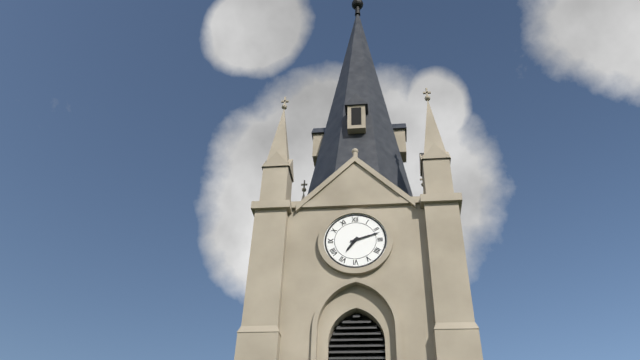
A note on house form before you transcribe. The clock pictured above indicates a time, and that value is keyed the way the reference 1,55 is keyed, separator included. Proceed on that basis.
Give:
7,12
